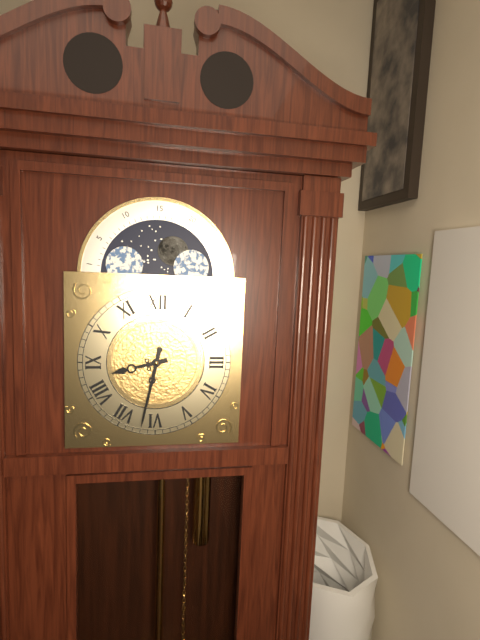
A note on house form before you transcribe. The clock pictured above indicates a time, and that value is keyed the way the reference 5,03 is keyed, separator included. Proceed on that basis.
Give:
8,32
